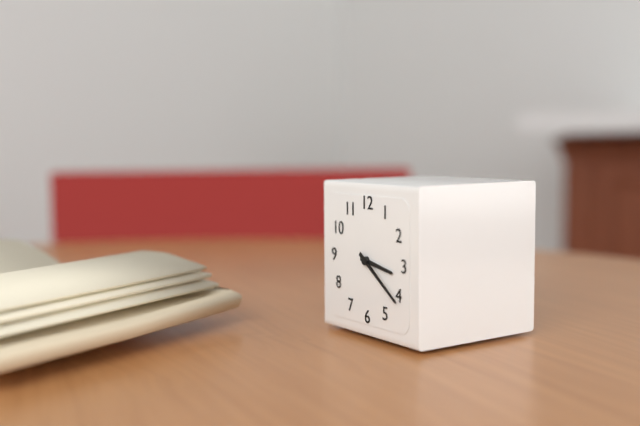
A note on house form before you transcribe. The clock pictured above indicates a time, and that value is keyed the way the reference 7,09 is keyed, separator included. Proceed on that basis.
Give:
3,21
